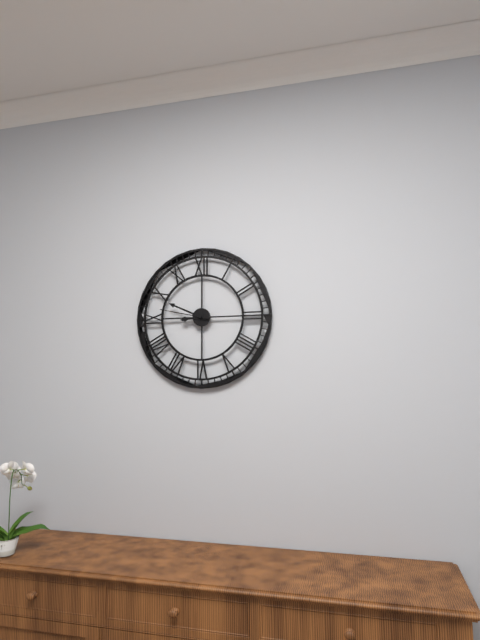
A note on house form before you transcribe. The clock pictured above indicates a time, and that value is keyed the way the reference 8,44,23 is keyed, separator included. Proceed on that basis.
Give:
8,49,47
